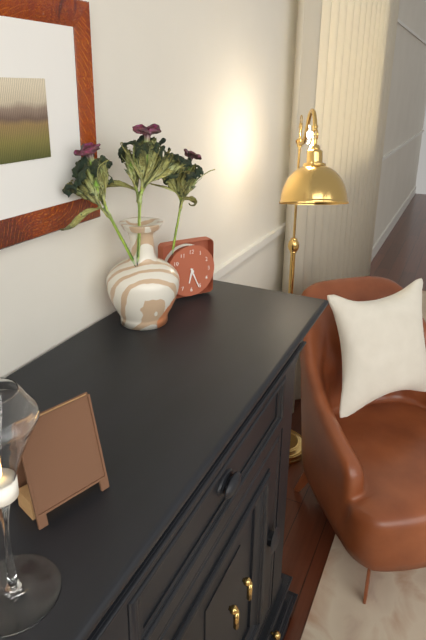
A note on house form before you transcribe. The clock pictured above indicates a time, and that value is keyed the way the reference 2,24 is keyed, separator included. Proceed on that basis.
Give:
6,26
